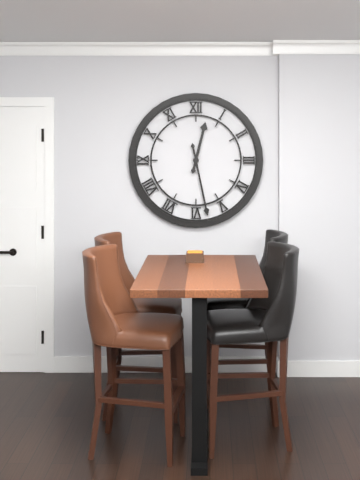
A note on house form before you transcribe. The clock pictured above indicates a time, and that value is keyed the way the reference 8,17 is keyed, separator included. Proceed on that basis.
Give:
12,28
